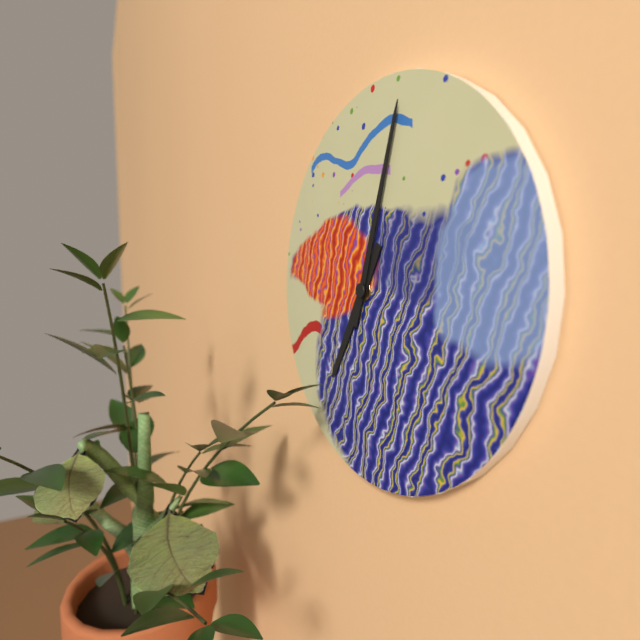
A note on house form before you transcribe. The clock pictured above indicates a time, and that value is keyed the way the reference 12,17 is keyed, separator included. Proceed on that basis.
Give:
7,03
